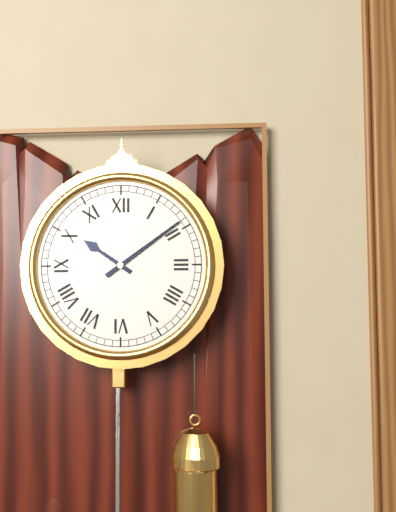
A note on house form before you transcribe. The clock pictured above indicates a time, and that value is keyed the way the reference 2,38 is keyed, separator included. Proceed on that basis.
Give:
10,09
